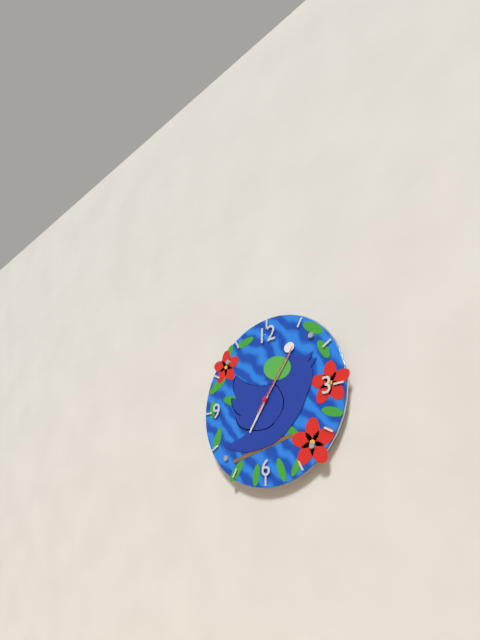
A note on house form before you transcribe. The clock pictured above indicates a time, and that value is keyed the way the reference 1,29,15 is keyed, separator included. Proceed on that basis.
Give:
7,06,06
